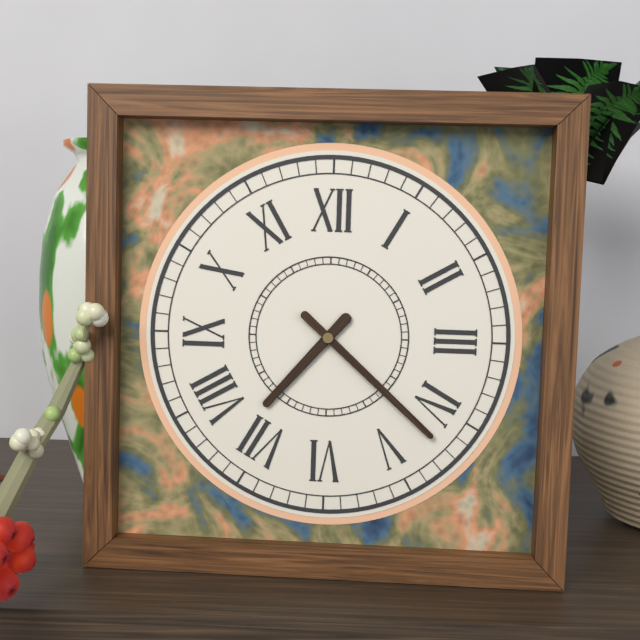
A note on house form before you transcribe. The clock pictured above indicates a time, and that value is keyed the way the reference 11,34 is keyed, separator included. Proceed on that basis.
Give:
7,22
